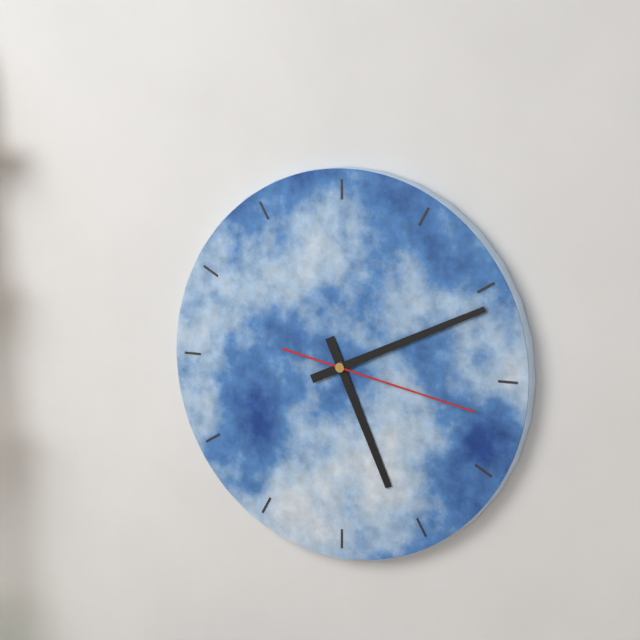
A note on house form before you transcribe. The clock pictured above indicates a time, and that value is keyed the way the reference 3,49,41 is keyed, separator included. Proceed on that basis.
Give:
5,11,17
